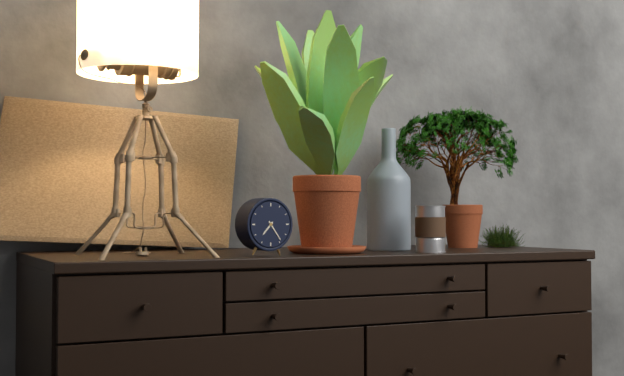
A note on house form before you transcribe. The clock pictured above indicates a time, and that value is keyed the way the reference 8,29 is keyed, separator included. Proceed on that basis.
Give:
7,24
